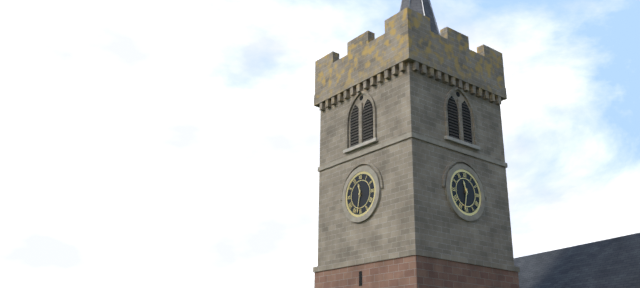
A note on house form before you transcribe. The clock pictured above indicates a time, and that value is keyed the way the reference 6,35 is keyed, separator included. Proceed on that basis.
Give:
11,32
